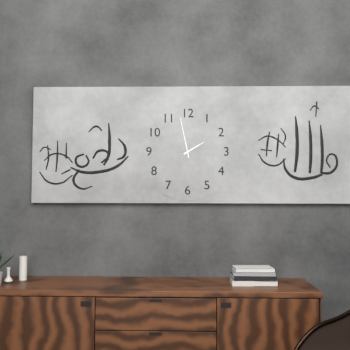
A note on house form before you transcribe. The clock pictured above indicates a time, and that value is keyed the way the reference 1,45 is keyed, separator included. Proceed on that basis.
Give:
1,58
